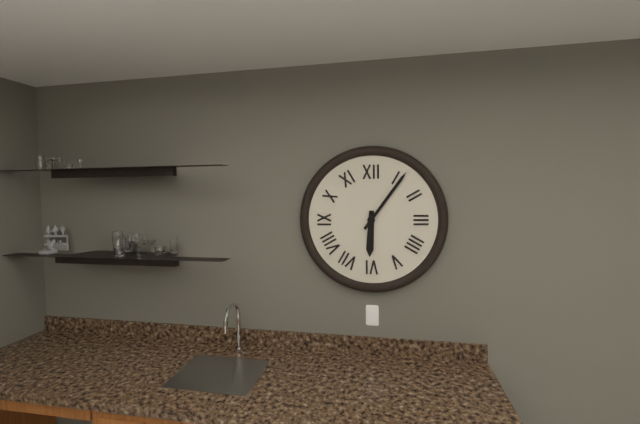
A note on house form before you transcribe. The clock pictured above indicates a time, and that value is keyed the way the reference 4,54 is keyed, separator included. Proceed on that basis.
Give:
6,06
